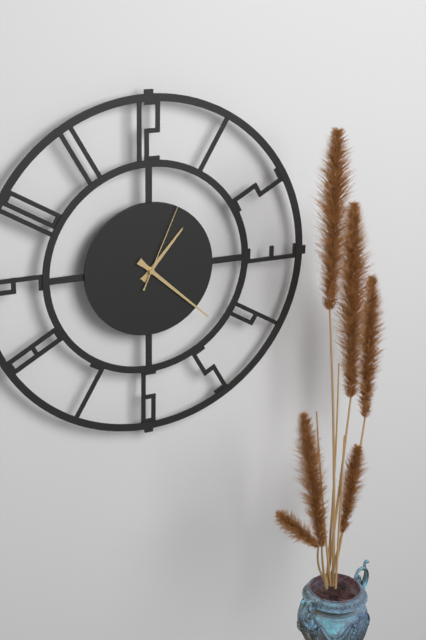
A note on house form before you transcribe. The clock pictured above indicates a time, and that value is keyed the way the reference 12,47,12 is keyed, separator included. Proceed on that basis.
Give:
1,22,04
